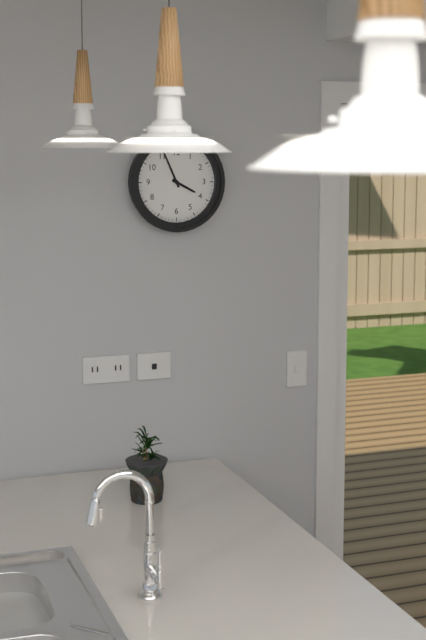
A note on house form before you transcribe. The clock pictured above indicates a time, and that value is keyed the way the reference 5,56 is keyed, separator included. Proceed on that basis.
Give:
3,56
